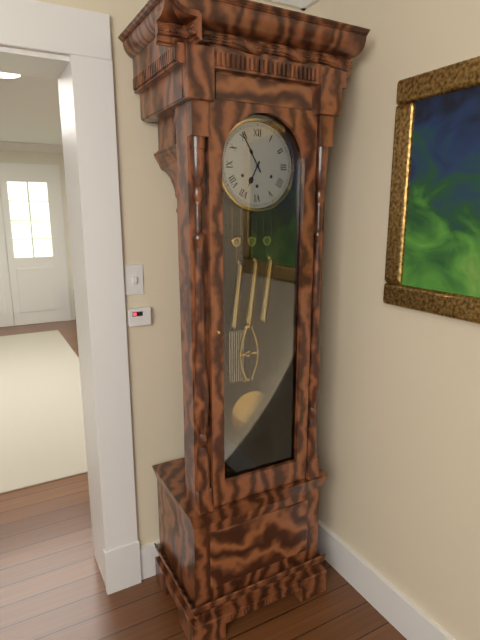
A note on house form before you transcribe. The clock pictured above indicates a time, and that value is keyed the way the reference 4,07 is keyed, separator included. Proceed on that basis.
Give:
6,55
